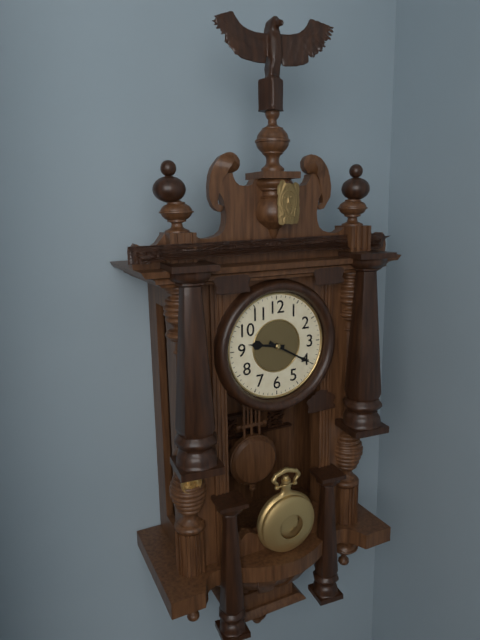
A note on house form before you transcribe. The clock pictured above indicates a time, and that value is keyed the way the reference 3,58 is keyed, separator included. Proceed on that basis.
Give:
9,20
